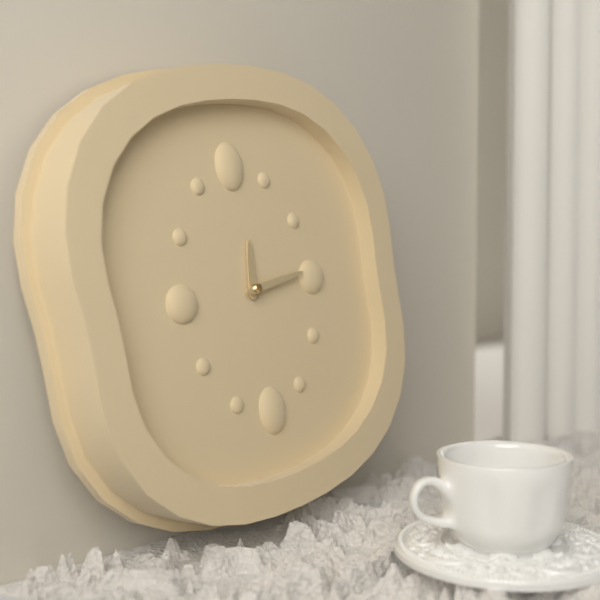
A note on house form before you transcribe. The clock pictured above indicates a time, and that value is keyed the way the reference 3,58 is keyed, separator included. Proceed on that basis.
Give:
12,14
